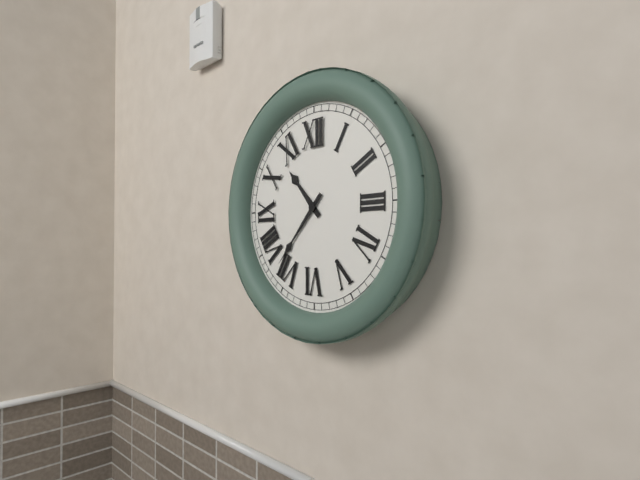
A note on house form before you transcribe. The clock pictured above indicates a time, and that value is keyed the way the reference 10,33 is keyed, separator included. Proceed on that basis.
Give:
10,37
